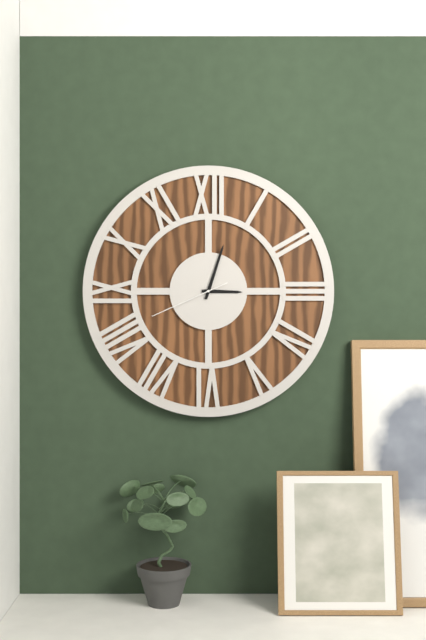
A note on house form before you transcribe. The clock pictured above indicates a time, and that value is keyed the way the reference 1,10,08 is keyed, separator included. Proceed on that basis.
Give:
3,03,41
